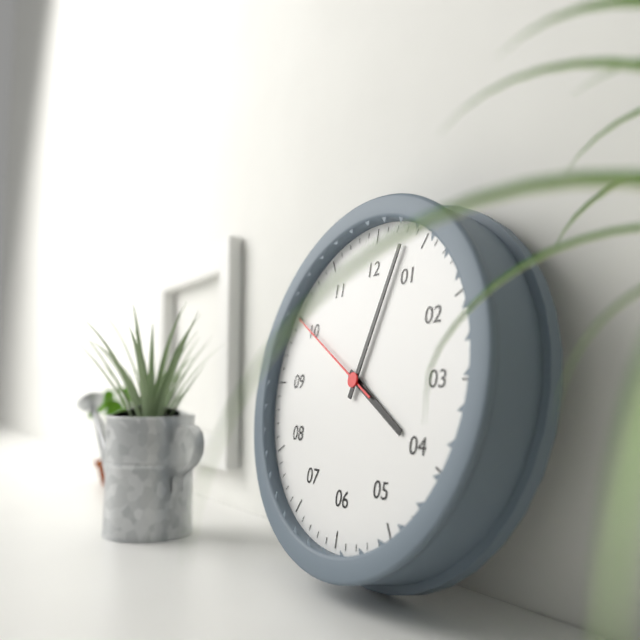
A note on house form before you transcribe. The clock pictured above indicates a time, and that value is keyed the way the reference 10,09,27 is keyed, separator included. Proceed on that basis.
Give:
4,03,50
